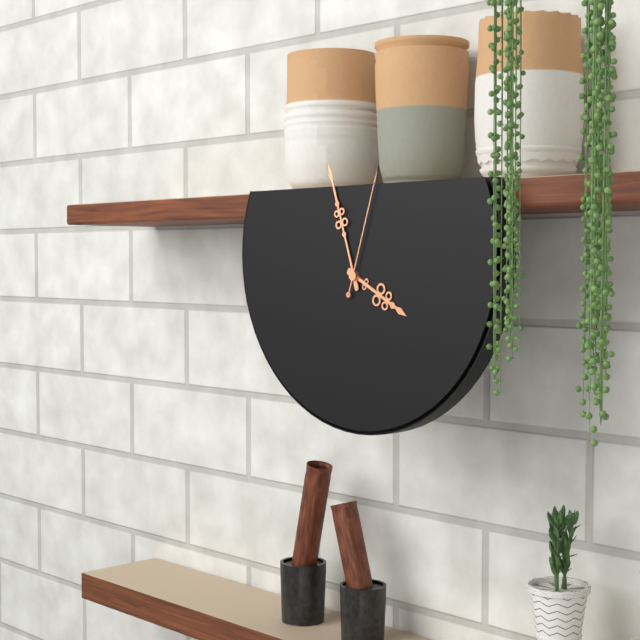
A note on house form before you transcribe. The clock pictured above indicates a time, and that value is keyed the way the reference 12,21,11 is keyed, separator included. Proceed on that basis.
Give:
3,57,03
